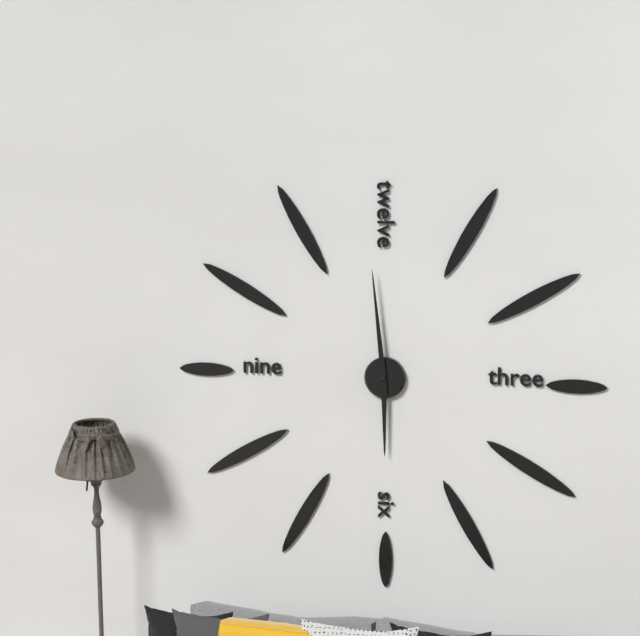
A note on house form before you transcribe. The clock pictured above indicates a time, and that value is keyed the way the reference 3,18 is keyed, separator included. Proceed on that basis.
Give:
5,59
